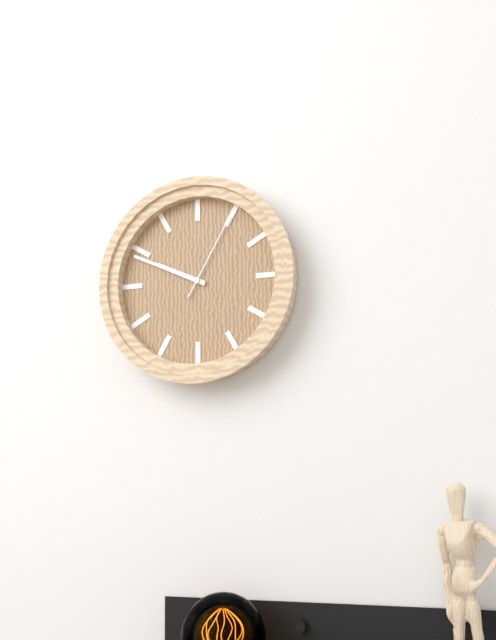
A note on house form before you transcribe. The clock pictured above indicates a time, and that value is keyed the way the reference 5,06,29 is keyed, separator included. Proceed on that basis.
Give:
9,49,05
